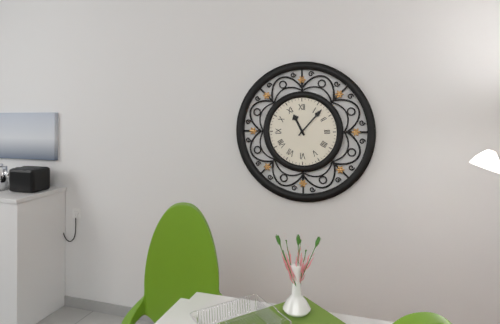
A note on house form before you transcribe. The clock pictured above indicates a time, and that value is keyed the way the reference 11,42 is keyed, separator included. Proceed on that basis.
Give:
11,07
